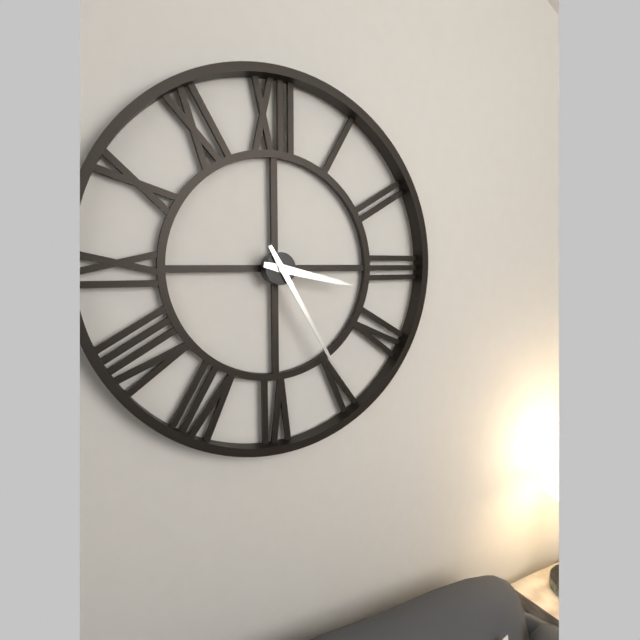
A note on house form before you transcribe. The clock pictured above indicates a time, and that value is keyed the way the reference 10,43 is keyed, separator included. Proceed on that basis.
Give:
3,25
